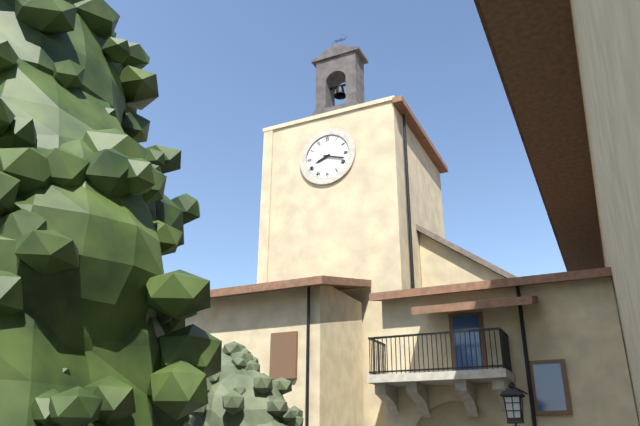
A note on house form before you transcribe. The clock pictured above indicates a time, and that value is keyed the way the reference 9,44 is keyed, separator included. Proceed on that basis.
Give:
8,18
